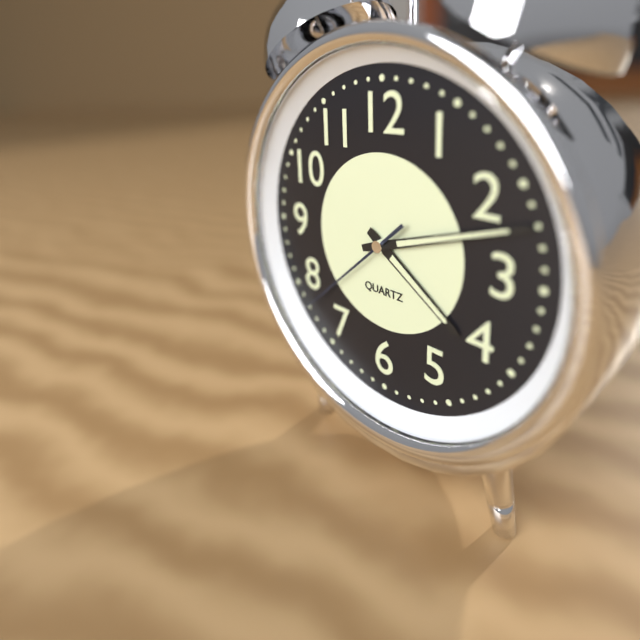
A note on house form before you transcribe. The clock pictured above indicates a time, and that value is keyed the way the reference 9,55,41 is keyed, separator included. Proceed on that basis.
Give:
4,12,38
